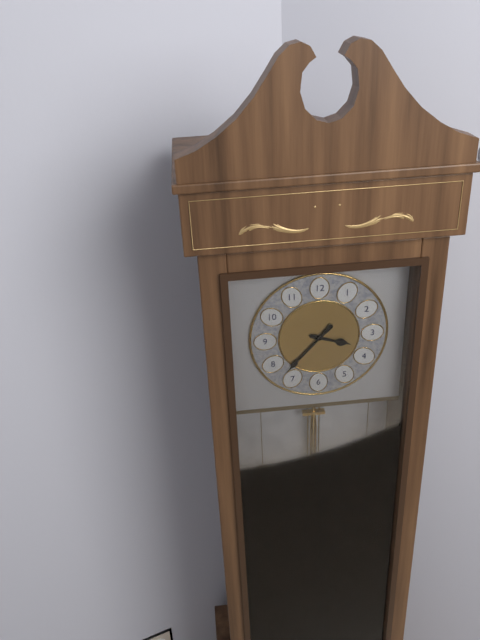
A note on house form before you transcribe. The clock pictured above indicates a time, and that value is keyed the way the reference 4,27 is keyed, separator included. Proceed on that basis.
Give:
3,37
